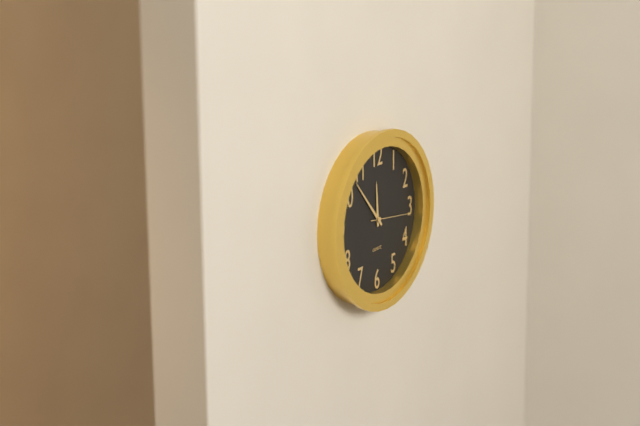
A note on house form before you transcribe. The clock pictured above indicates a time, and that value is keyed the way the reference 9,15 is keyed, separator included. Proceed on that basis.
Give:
11,53
